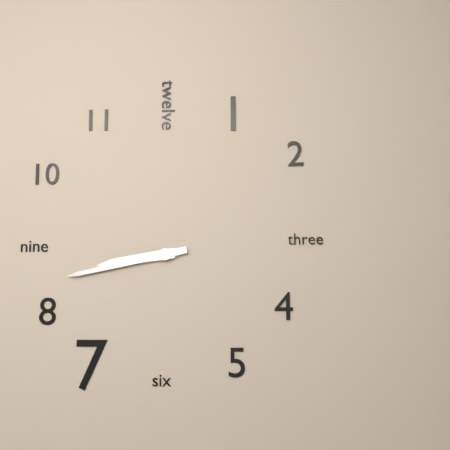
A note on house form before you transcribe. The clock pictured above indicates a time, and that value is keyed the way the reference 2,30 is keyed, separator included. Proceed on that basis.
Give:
8,43
